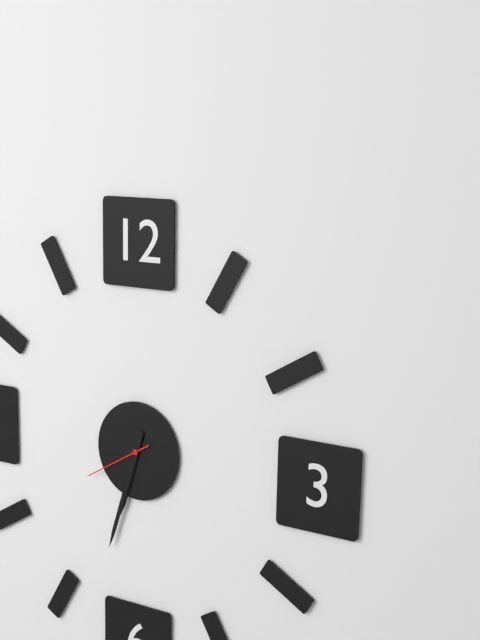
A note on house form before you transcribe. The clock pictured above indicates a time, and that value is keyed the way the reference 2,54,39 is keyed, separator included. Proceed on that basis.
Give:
6,33,40
